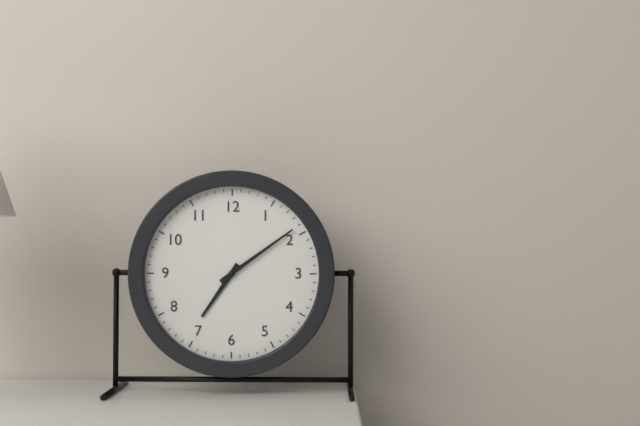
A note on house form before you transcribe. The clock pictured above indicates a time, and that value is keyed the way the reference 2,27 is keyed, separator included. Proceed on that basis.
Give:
7,09
